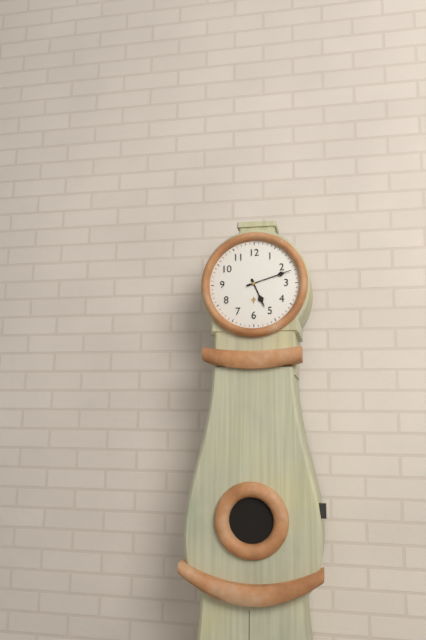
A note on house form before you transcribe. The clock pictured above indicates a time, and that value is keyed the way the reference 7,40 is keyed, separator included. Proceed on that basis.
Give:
5,12
